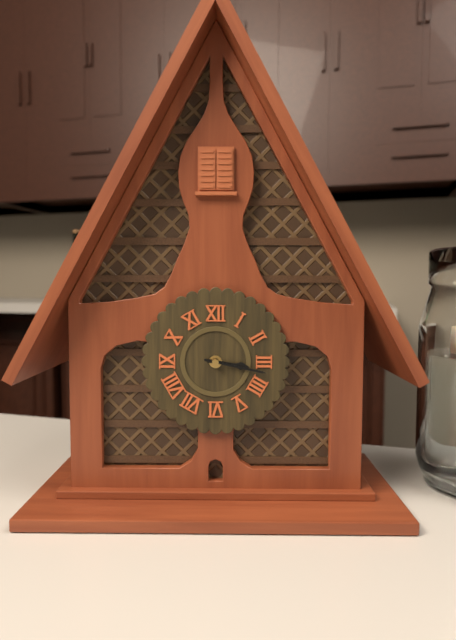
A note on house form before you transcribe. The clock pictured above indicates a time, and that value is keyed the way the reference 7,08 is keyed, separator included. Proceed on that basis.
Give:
3,17
